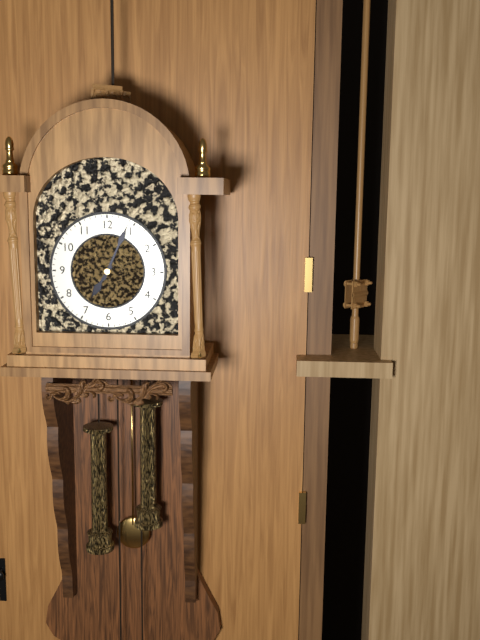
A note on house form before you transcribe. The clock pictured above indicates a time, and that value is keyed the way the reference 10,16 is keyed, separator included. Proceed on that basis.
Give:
7,04
